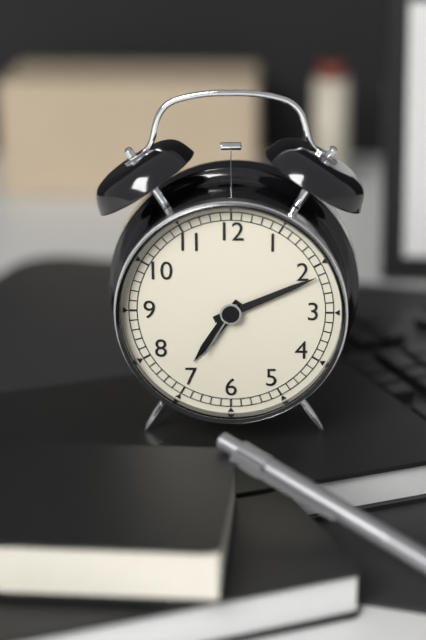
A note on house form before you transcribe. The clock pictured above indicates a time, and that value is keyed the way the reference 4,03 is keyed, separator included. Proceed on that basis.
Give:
7,11
